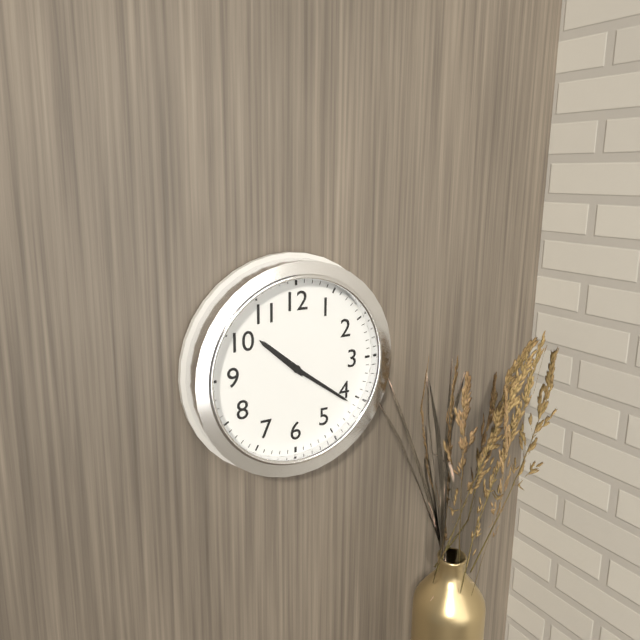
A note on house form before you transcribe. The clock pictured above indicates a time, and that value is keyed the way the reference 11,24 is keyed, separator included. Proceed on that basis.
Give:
10,21
